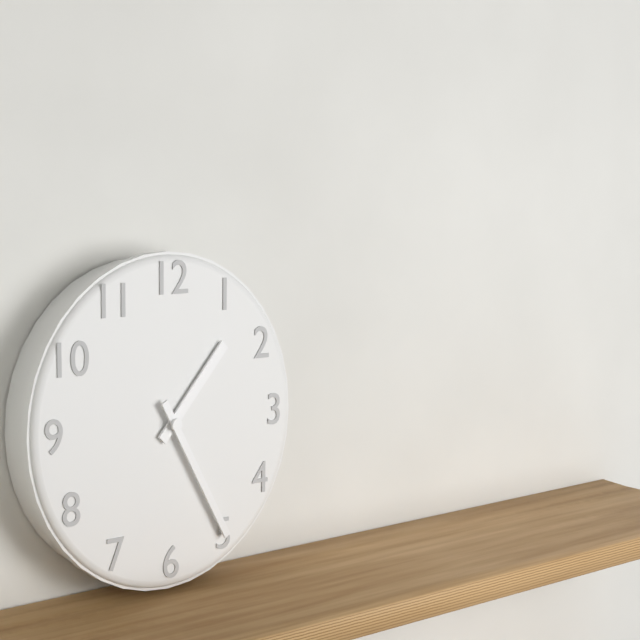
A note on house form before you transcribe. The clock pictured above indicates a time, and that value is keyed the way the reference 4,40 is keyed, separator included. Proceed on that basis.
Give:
1,25
